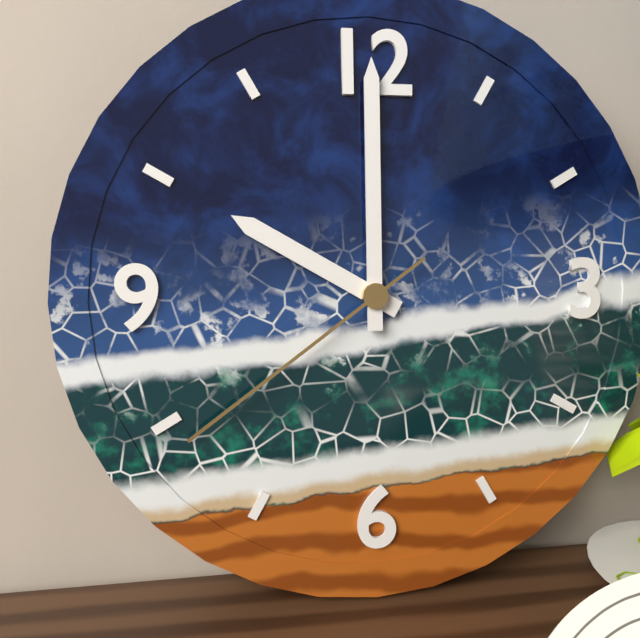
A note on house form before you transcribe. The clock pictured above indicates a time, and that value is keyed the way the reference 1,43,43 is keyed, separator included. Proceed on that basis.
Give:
10,00,39
